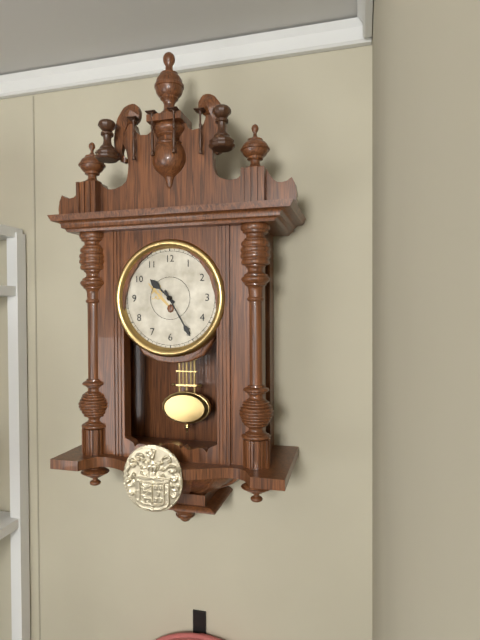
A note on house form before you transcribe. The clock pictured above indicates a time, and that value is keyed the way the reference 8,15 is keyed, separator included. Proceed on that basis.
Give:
10,25
